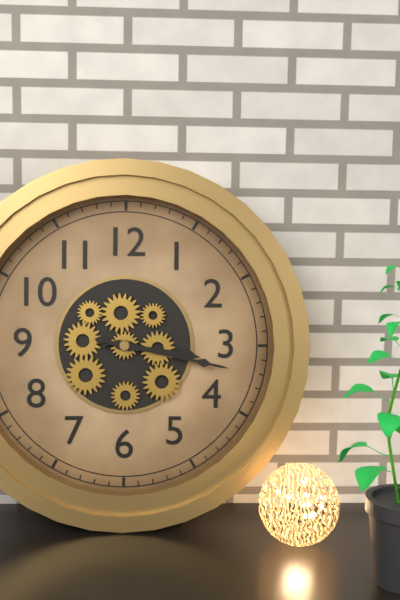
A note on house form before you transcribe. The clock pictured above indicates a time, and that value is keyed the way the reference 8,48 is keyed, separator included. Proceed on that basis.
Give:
3,17
